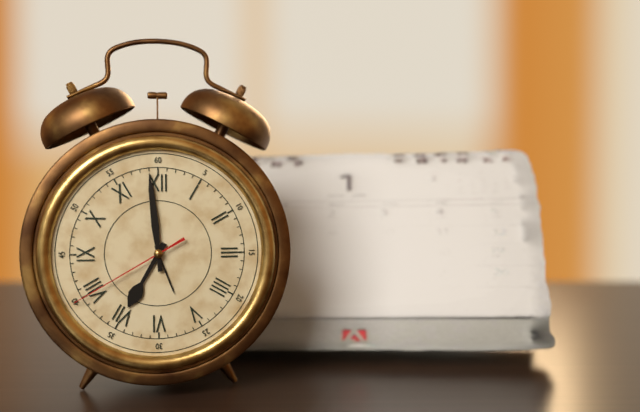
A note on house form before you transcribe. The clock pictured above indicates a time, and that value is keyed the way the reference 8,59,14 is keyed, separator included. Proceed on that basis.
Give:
6,59,40
